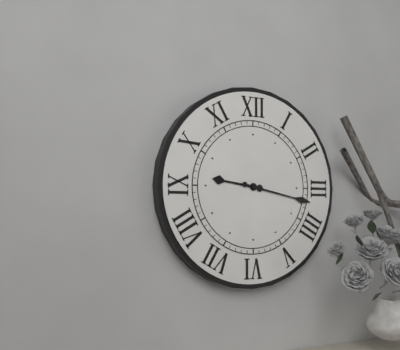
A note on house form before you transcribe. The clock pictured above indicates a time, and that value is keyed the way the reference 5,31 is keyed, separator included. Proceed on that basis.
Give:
9,17
